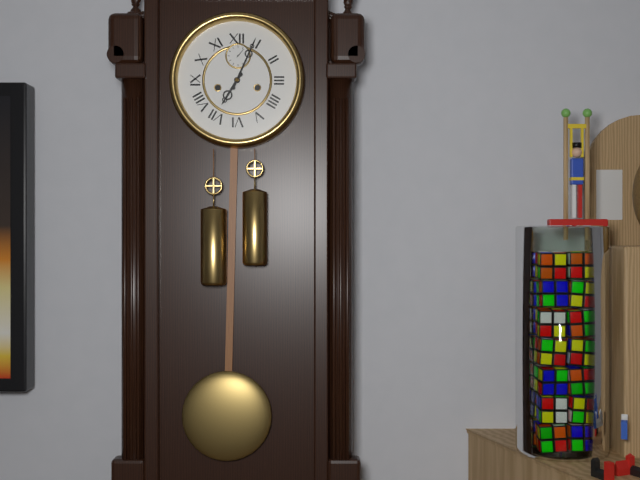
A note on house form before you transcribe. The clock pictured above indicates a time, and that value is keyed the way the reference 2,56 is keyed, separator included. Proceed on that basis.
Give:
7,04
